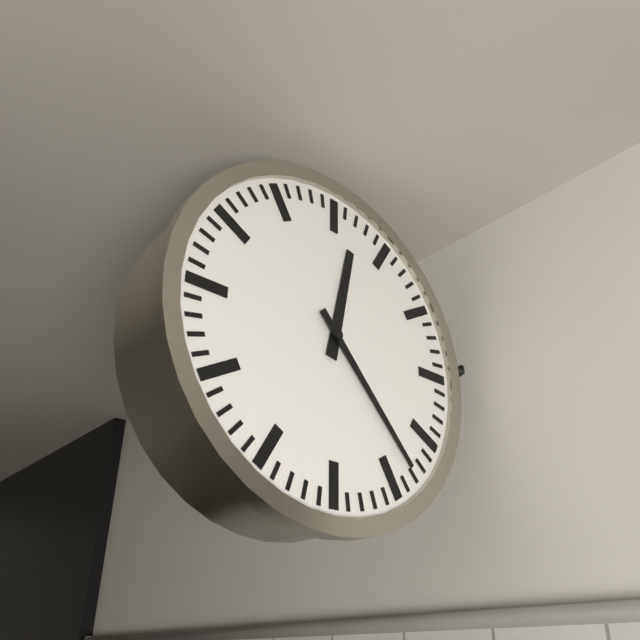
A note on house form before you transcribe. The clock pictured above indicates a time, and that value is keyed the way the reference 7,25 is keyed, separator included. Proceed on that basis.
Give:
12,23
